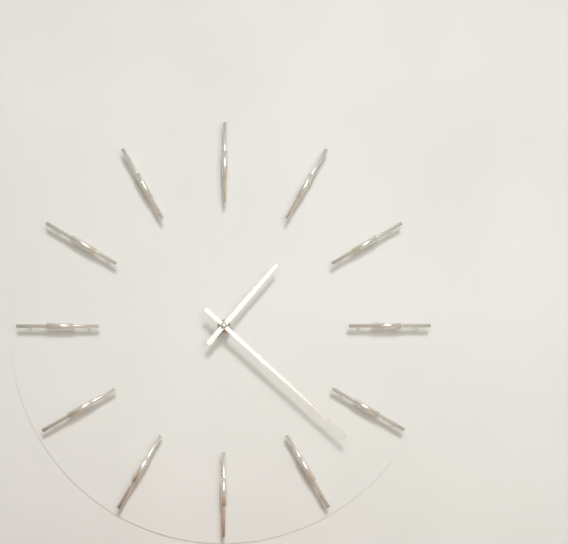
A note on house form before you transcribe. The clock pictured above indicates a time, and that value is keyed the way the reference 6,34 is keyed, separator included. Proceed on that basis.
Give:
1,22
